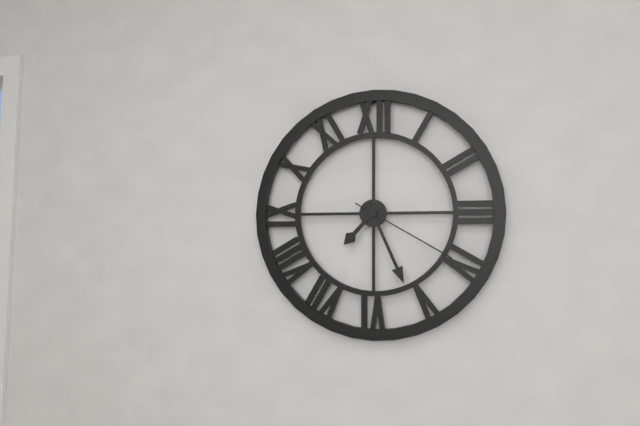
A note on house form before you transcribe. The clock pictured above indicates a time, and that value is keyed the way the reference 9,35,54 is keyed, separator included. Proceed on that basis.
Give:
7,26,20
